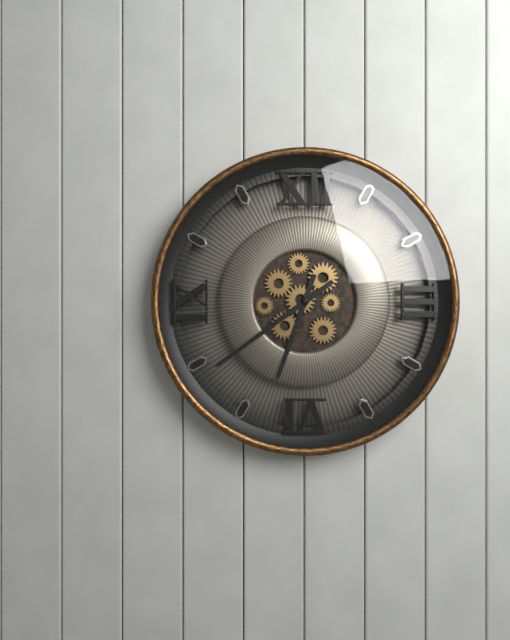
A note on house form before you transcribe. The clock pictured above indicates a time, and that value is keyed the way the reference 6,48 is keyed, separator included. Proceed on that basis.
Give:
6,39
